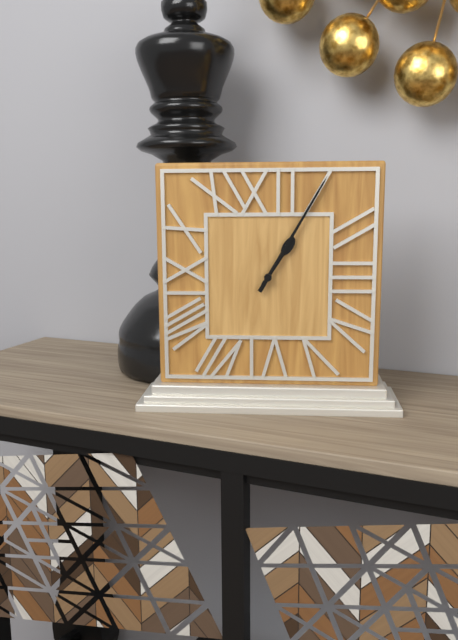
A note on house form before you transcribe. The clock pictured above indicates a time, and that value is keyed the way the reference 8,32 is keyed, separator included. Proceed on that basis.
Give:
1,05
